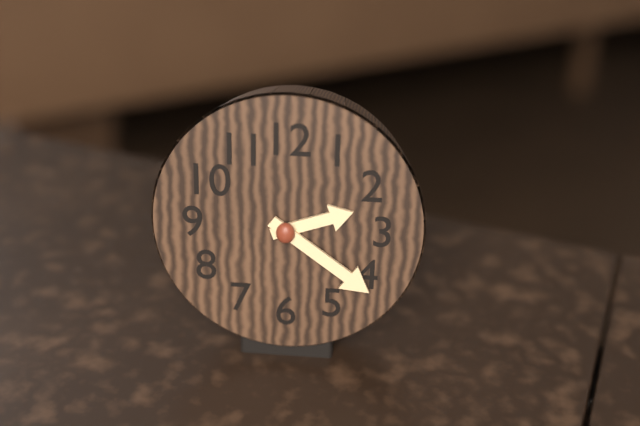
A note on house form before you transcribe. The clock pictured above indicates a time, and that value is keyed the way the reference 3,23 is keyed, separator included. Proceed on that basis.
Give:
2,21
